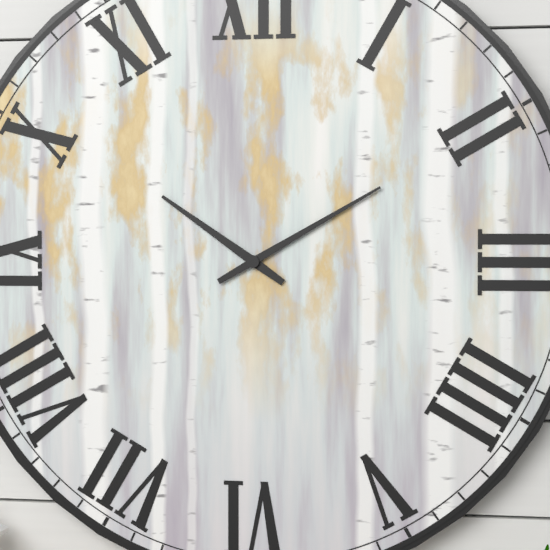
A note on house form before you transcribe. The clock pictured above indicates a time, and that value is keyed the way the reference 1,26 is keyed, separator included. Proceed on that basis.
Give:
10,10
